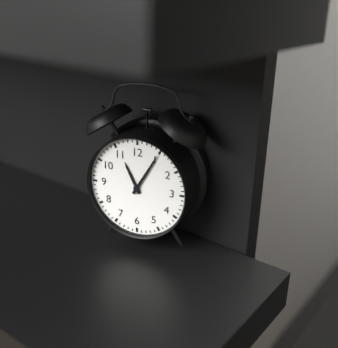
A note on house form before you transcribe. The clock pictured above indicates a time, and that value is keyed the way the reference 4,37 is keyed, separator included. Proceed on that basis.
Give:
11,05
